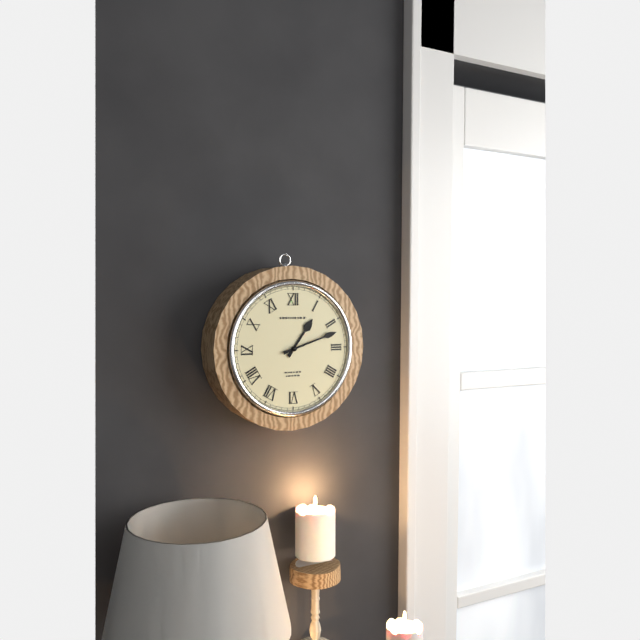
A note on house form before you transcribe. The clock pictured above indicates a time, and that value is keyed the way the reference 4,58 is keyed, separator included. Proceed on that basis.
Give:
1,12
